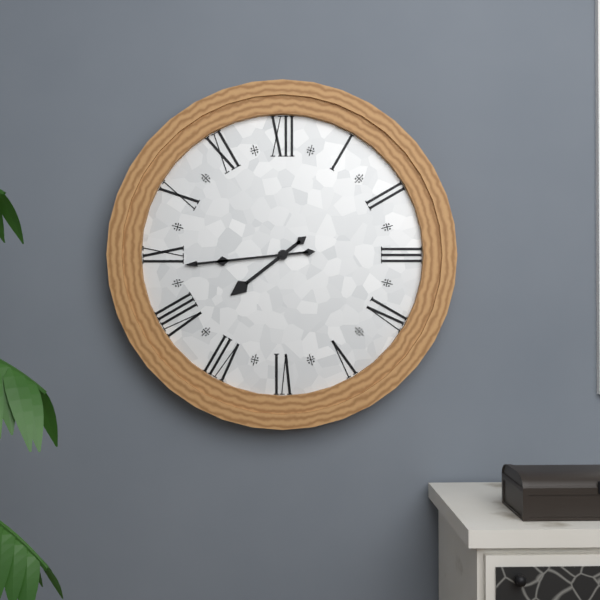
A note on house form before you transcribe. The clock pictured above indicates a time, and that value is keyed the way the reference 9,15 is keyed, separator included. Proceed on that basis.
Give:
7,44
